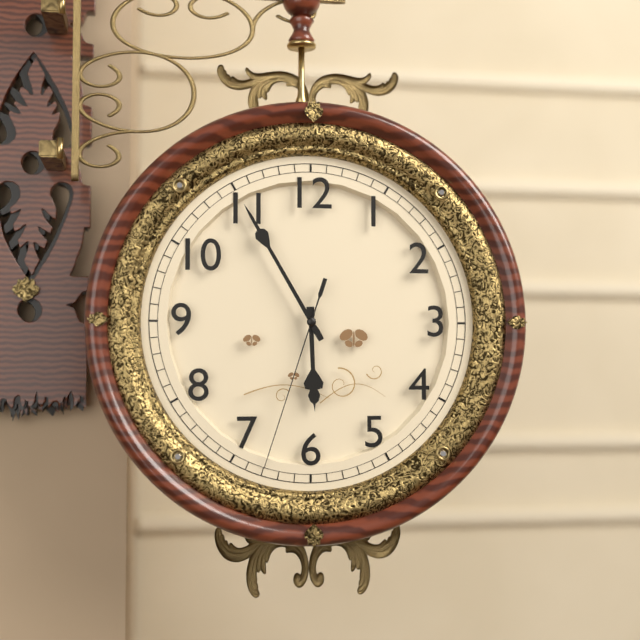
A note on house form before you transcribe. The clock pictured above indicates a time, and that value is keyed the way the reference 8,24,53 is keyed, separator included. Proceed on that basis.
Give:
5,55,33
